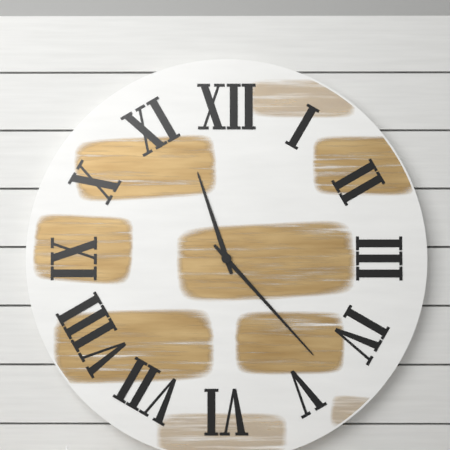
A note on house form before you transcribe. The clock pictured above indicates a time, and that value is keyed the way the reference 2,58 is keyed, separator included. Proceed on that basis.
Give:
11,23
